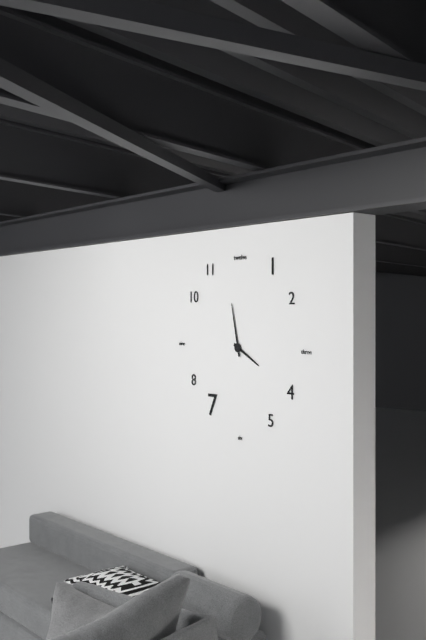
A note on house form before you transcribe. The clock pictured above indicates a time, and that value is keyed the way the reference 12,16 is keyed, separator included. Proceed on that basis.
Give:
3,58
